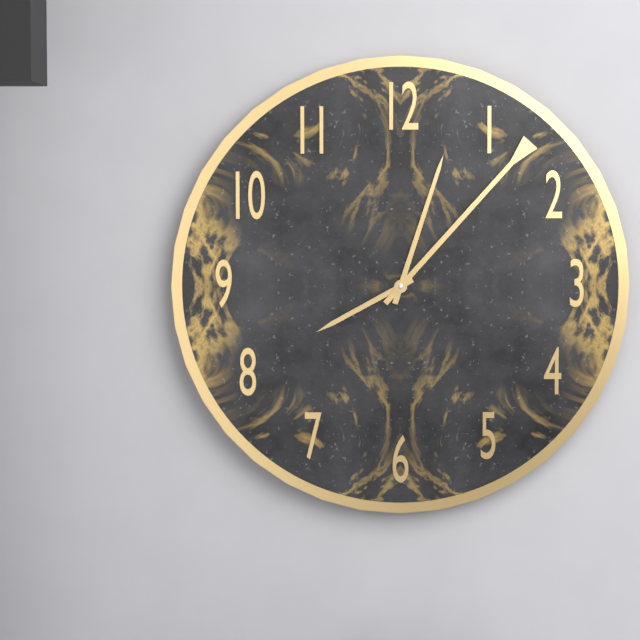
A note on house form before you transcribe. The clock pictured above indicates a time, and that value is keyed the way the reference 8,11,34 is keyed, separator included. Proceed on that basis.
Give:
8,03,07
